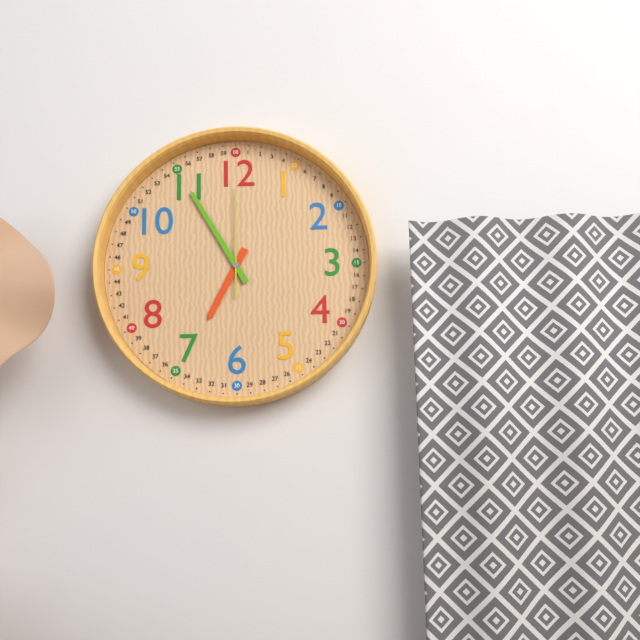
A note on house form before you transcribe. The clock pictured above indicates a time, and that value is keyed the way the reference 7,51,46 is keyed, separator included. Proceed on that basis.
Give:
6,55,00
